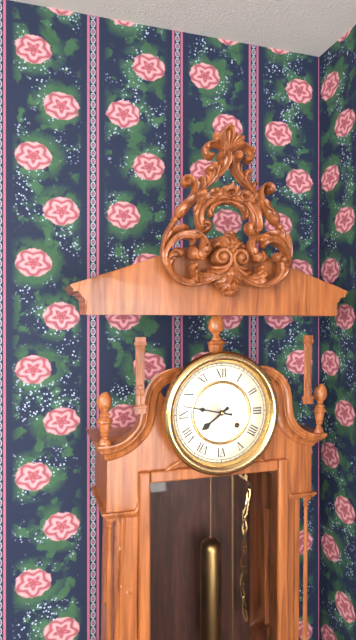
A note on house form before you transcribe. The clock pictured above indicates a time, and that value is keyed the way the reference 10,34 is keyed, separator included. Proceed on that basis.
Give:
7,47
